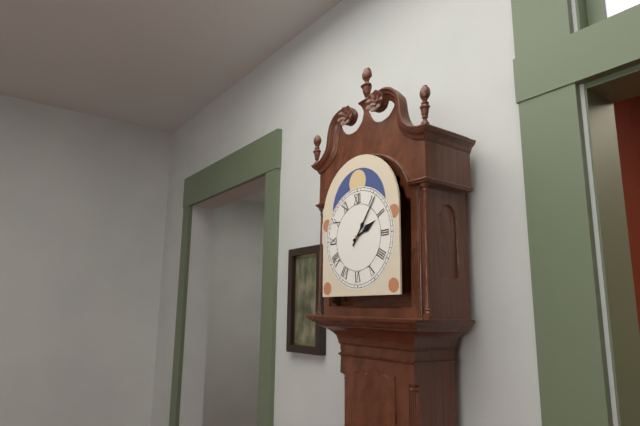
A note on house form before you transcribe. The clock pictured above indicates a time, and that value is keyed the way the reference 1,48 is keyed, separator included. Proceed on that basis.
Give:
2,06
